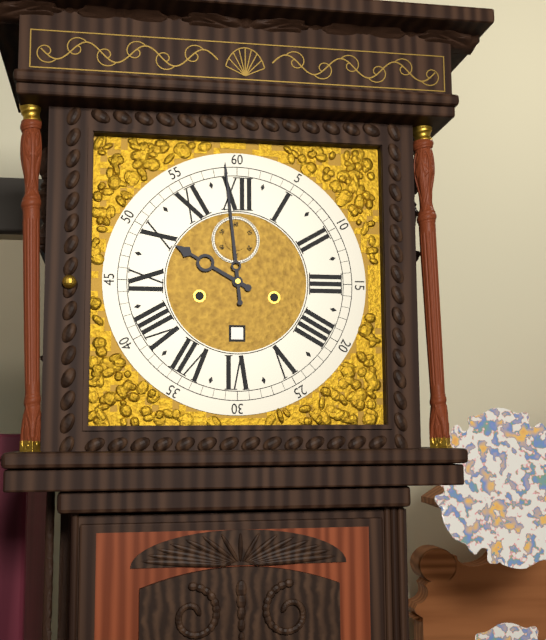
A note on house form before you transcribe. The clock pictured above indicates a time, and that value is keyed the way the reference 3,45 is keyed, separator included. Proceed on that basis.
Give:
9,59
